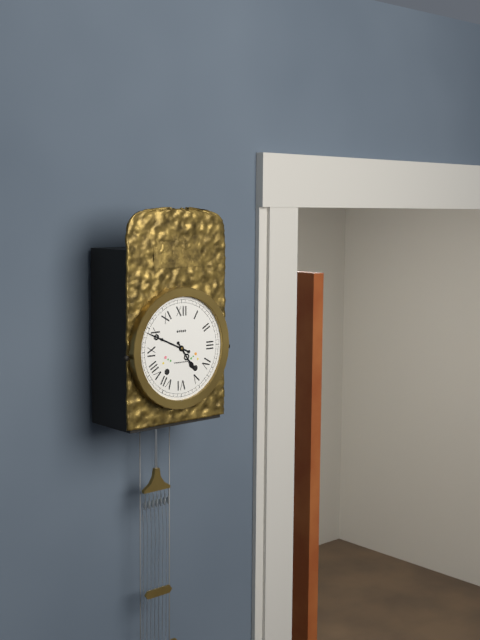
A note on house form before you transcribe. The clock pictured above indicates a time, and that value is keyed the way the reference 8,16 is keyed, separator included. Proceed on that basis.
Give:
4,49
